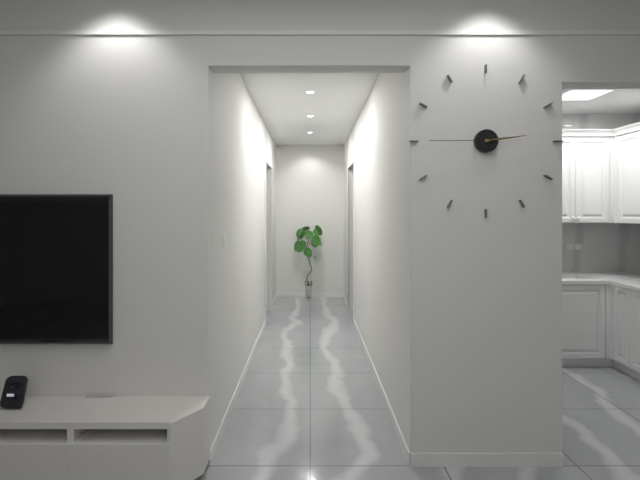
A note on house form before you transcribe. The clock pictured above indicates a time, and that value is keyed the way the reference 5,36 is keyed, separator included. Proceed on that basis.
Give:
2,45
